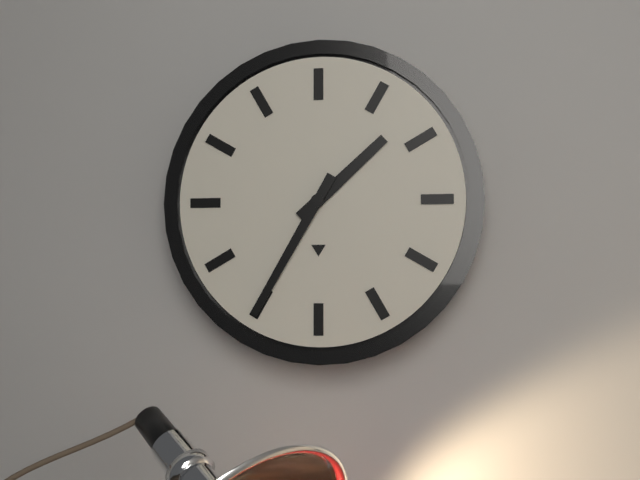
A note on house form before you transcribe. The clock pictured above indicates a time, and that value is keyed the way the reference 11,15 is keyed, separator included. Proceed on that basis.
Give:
1,35
